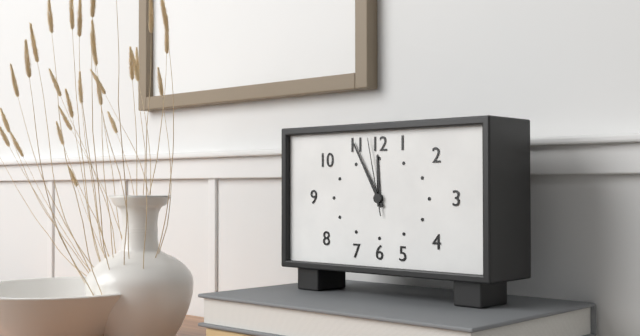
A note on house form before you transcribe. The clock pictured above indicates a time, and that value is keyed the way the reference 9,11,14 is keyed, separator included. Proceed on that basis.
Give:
11,55,58
